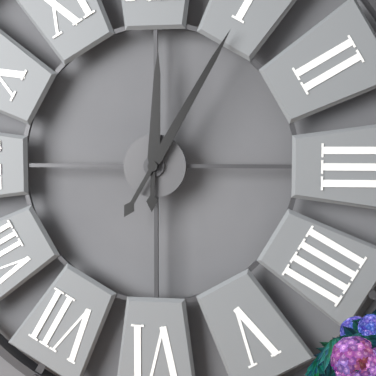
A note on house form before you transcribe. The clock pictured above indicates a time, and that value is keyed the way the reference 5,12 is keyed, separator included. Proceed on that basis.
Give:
12,05
